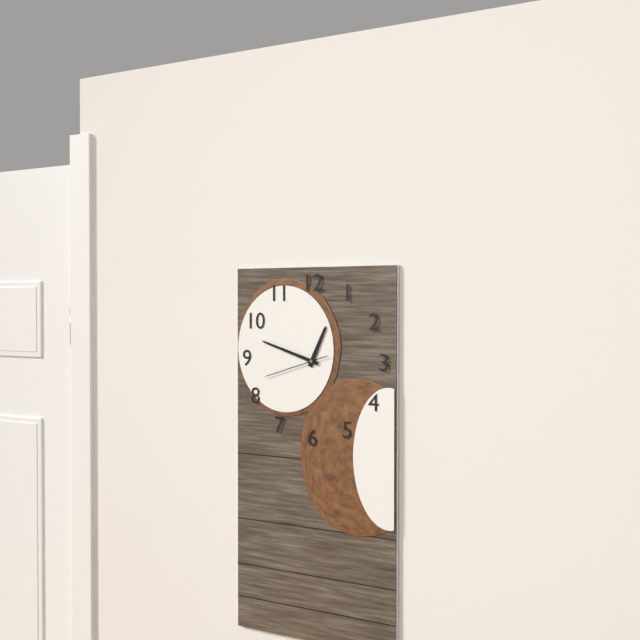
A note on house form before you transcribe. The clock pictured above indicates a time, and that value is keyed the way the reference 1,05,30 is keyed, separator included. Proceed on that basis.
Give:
12,48,42
